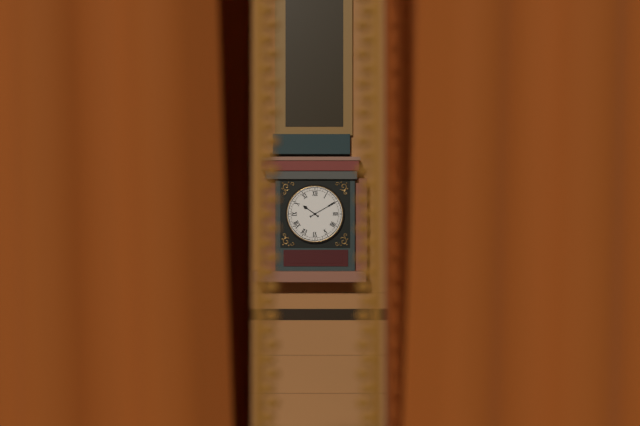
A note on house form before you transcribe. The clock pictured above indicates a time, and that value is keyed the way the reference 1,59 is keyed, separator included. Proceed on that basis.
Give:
10,10
